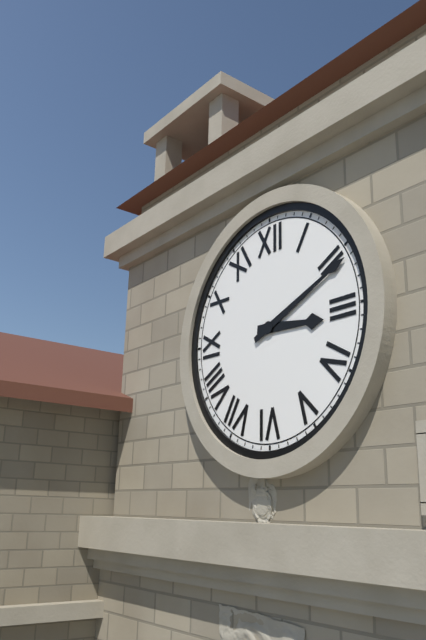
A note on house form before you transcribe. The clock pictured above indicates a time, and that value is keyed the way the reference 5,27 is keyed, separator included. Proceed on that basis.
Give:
3,11
